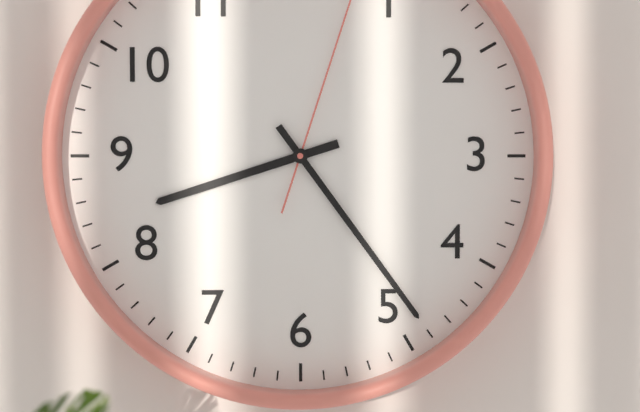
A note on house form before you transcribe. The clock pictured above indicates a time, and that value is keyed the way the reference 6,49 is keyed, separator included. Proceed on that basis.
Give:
8,24
